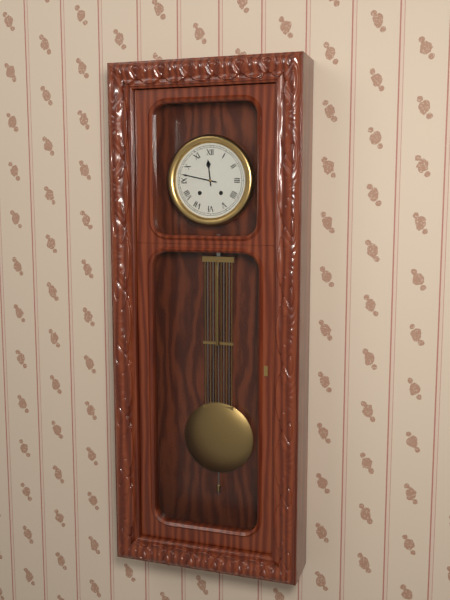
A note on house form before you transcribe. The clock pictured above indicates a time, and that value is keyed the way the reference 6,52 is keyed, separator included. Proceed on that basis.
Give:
11,47
